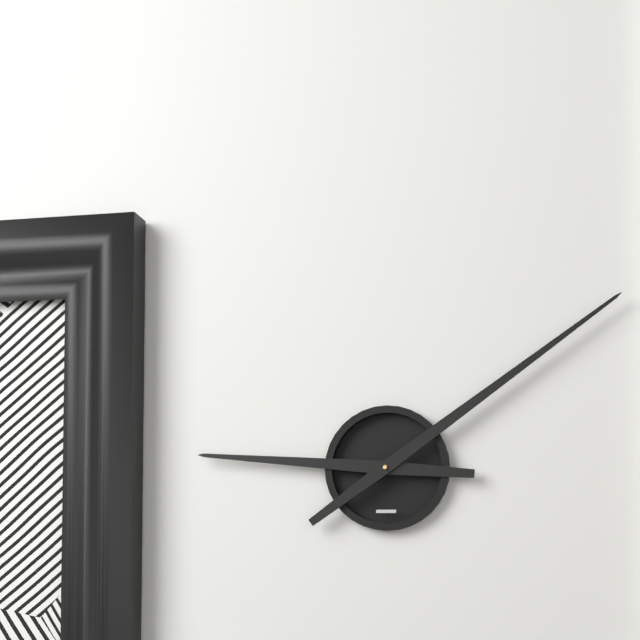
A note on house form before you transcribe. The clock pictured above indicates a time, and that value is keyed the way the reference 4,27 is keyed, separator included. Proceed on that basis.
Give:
9,09
